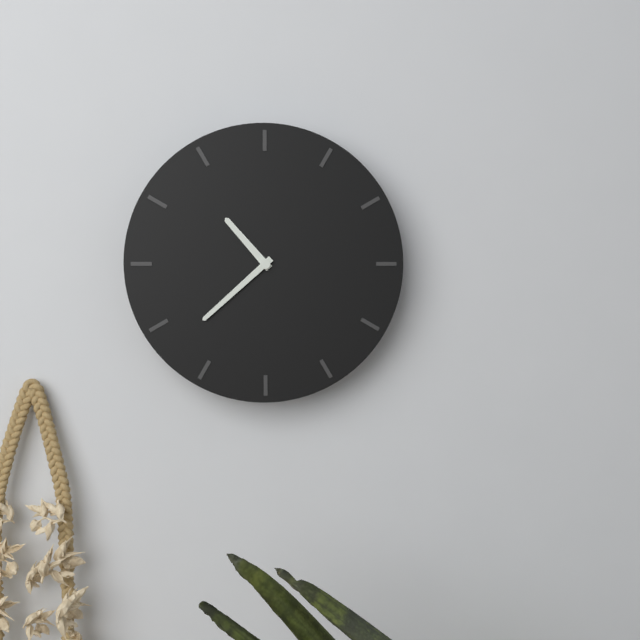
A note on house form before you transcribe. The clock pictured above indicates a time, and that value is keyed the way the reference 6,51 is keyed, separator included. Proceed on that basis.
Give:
10,38
